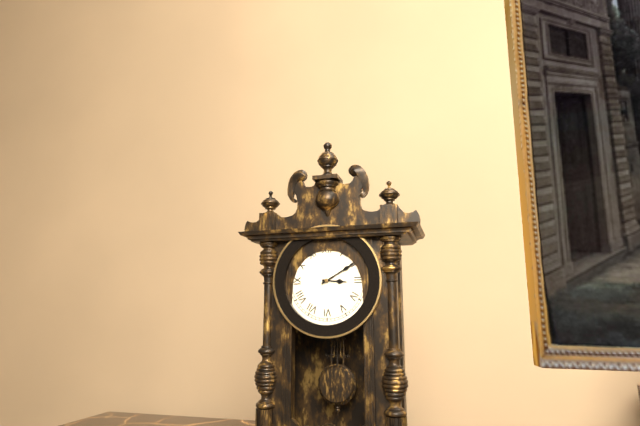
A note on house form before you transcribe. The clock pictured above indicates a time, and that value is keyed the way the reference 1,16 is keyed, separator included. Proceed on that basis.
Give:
3,10
